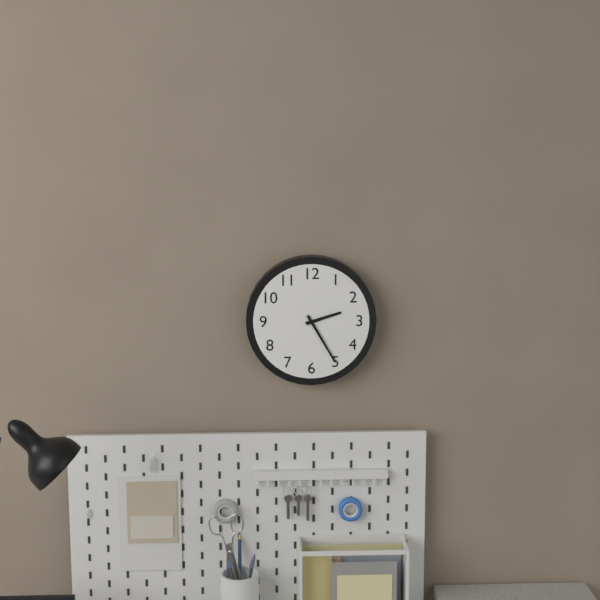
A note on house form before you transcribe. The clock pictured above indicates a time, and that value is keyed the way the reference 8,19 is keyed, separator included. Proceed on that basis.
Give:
2,25
